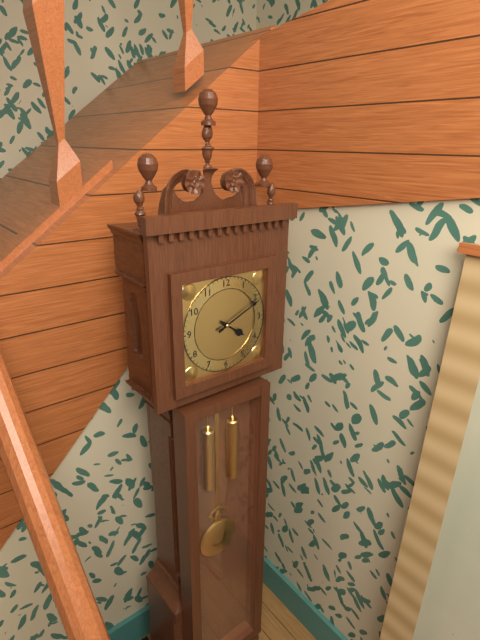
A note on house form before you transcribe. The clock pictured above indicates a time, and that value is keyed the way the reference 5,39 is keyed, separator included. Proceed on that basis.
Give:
4,11
